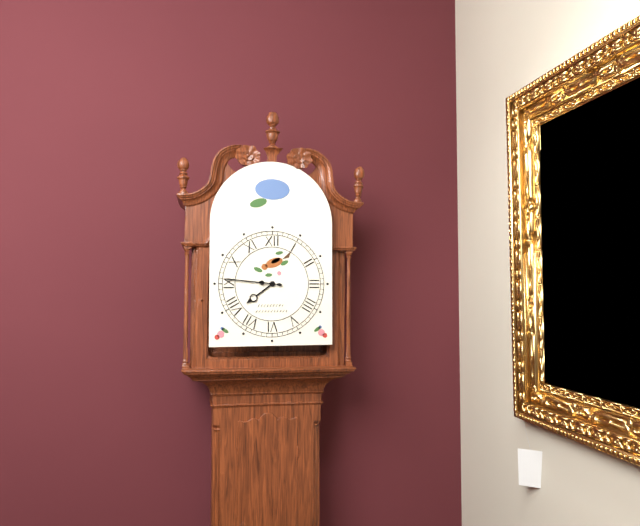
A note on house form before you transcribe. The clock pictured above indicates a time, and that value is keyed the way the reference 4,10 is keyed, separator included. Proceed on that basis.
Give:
7,46
